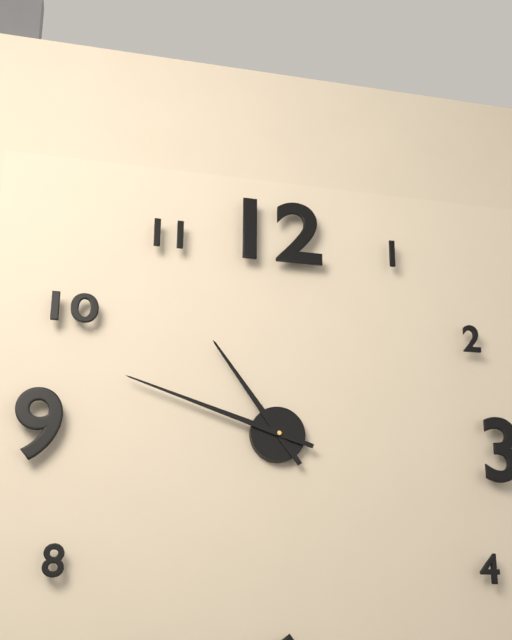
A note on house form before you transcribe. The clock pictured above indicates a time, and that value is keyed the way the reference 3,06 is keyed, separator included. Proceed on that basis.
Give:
10,48
